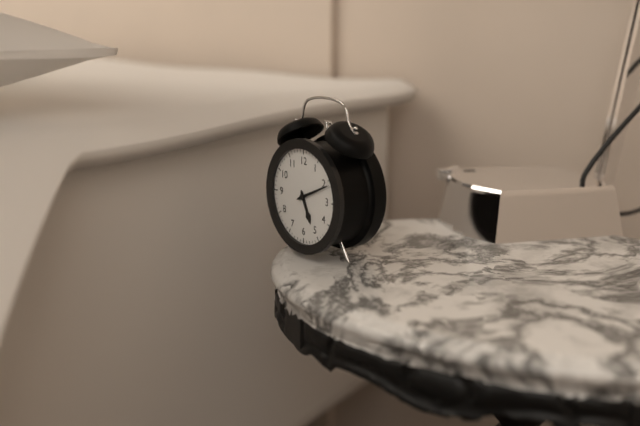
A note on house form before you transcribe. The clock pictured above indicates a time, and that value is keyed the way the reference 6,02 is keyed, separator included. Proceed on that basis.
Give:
5,11
